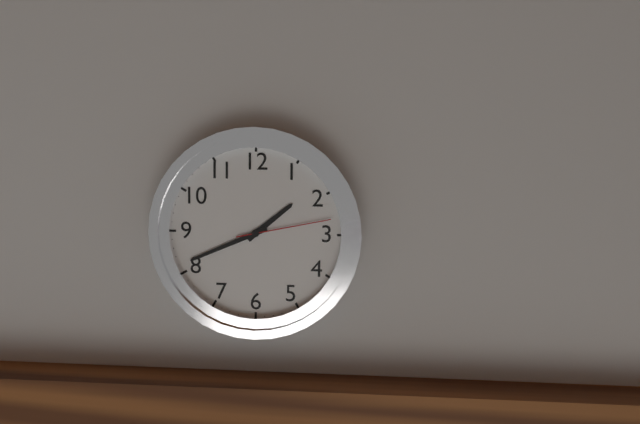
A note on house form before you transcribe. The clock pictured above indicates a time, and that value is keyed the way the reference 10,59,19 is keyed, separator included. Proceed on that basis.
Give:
1,41,13
